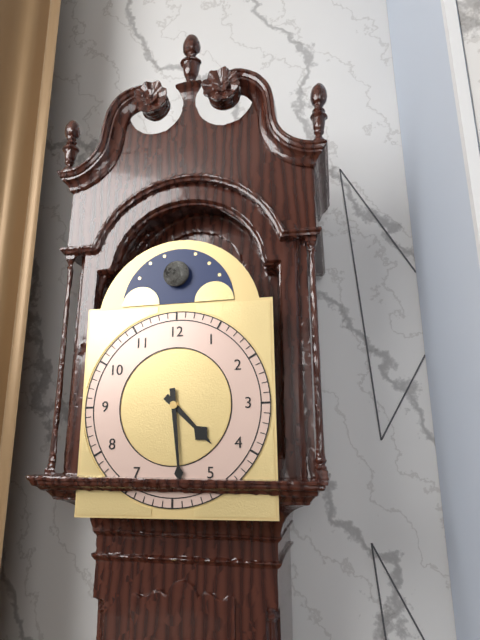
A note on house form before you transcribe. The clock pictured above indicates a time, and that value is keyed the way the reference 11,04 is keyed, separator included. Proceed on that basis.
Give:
4,29
